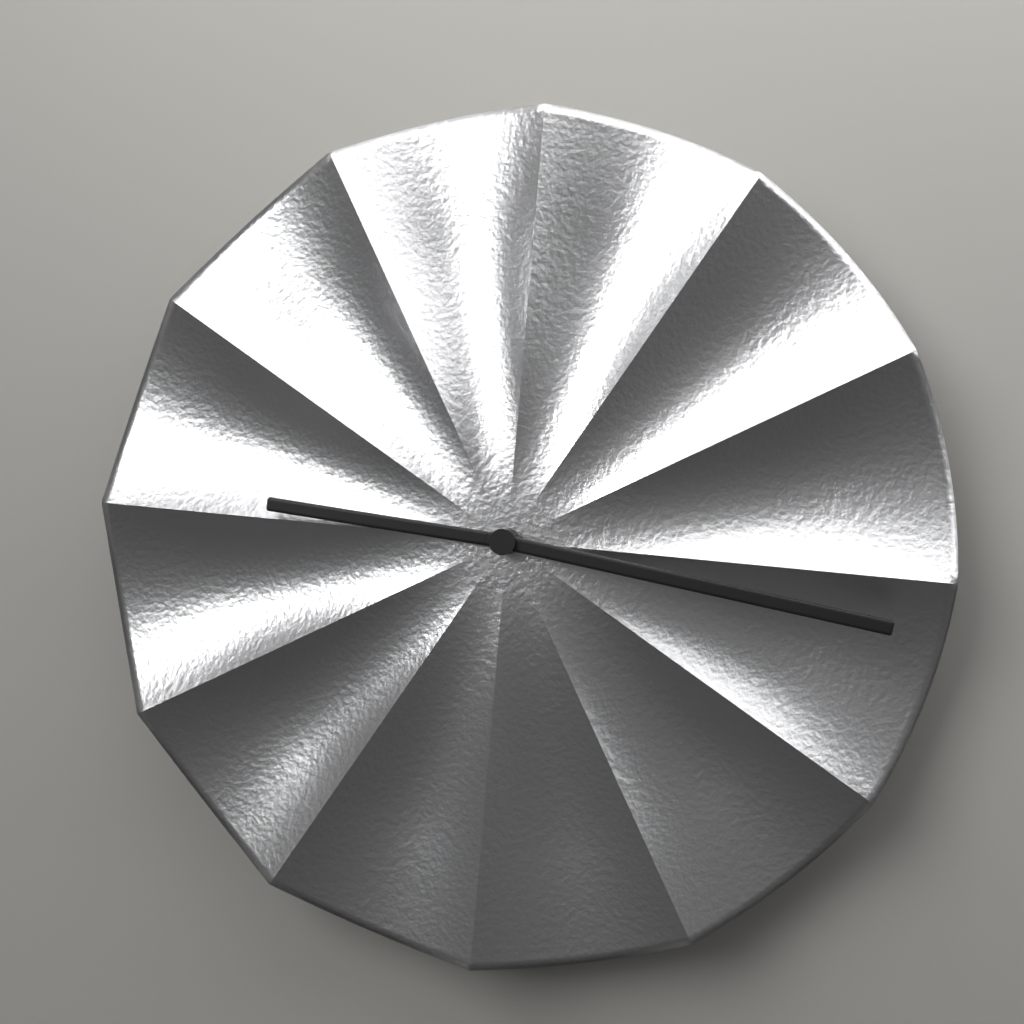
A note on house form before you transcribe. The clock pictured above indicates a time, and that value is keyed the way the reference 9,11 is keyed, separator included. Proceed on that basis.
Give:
9,17
